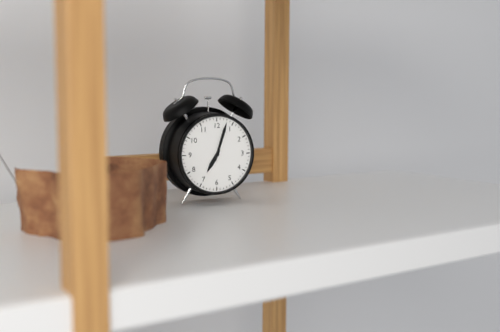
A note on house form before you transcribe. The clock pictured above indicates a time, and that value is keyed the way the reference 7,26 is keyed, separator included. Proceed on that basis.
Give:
7,03
